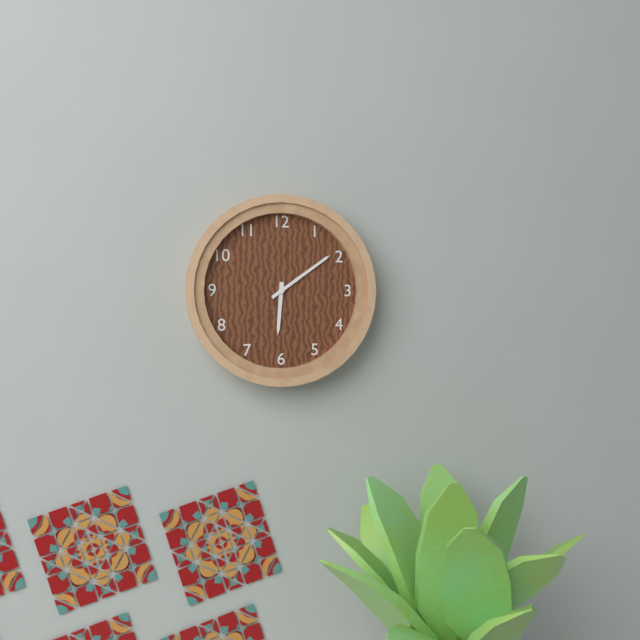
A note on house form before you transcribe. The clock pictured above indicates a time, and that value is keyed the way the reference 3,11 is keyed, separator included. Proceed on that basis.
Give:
6,09
